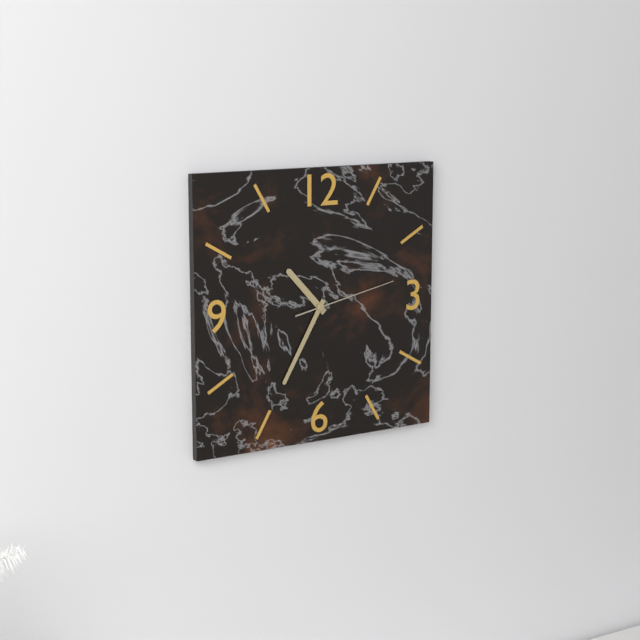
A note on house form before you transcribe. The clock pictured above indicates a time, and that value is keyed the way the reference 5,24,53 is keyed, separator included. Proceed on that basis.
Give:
10,35,13
